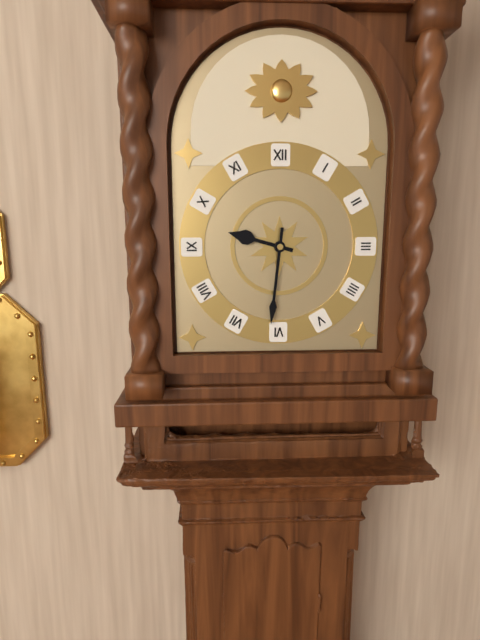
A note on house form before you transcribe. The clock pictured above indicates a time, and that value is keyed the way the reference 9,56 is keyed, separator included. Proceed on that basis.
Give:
9,31
